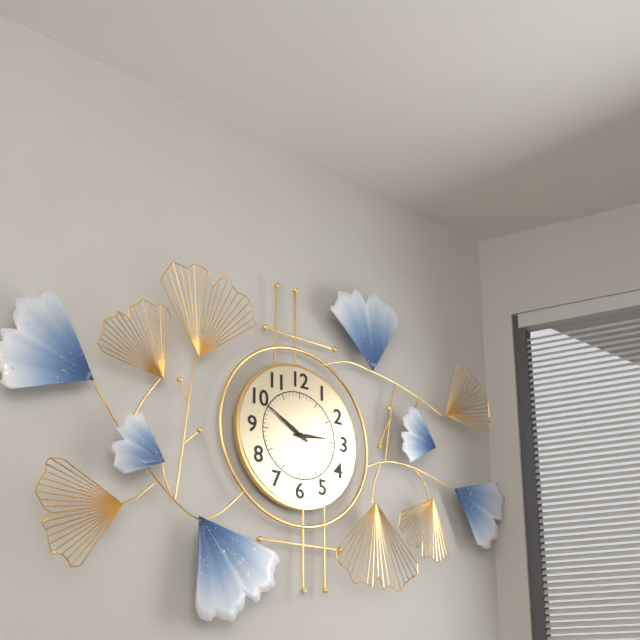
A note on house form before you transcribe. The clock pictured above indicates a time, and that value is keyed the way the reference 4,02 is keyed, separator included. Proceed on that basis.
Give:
2,50
